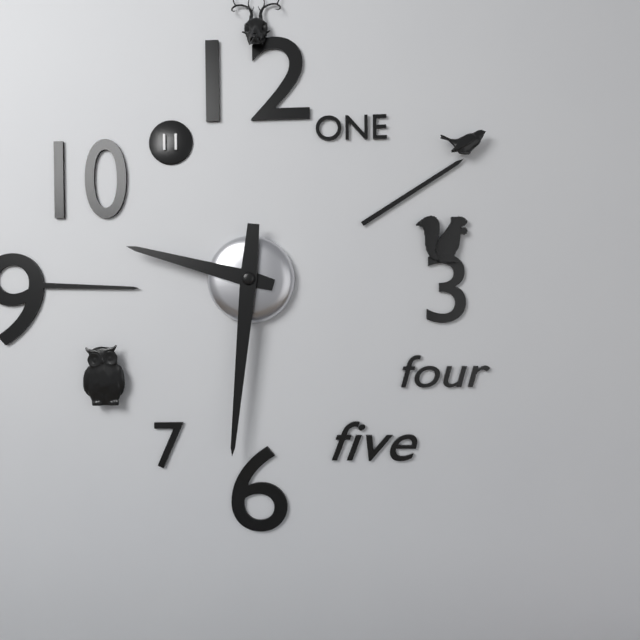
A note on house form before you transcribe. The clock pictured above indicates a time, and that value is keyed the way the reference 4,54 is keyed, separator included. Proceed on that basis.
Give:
9,31
